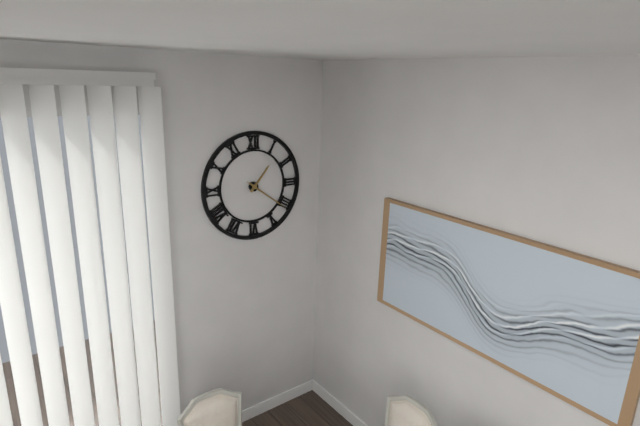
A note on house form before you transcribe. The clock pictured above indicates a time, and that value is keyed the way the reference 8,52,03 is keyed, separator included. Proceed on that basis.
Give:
1,21,21
